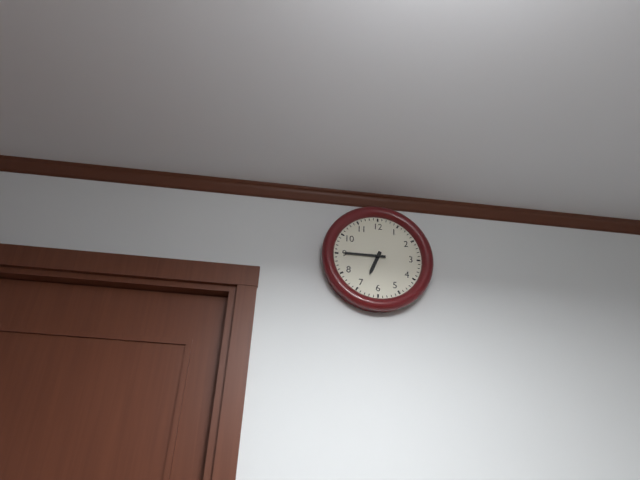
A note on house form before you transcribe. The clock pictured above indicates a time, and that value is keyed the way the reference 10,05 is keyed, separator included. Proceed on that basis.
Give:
6,45
